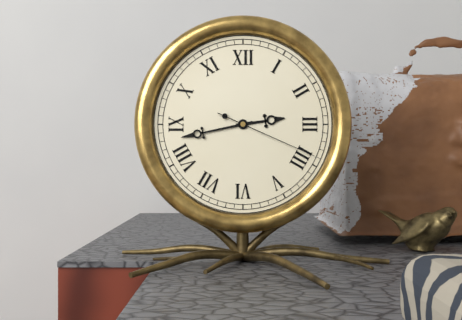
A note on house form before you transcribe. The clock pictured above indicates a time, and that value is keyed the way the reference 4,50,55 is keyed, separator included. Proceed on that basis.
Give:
2,43,19
